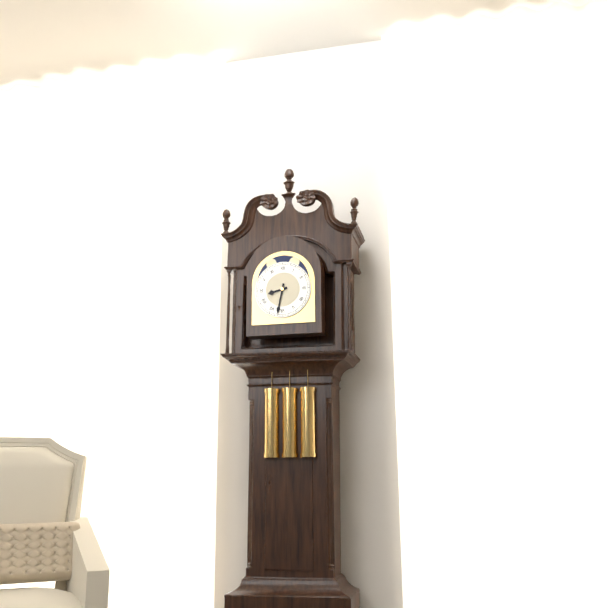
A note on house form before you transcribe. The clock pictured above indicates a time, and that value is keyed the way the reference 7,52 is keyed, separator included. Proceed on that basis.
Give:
8,32
